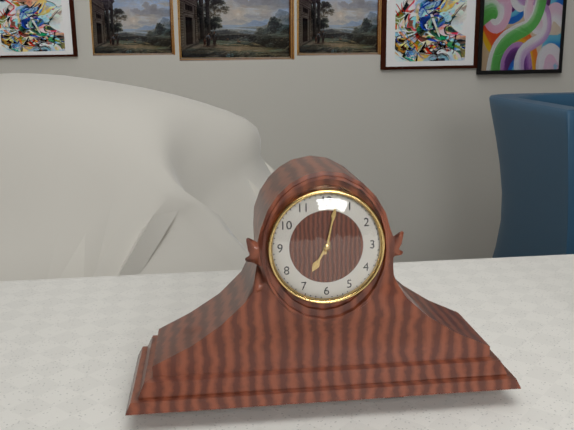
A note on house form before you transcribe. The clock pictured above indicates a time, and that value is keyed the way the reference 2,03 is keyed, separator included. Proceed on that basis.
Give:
7,02
